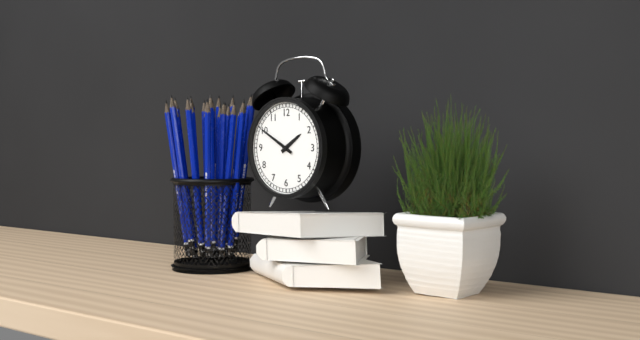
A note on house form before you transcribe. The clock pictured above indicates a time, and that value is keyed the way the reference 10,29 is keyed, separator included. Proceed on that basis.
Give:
1,50
